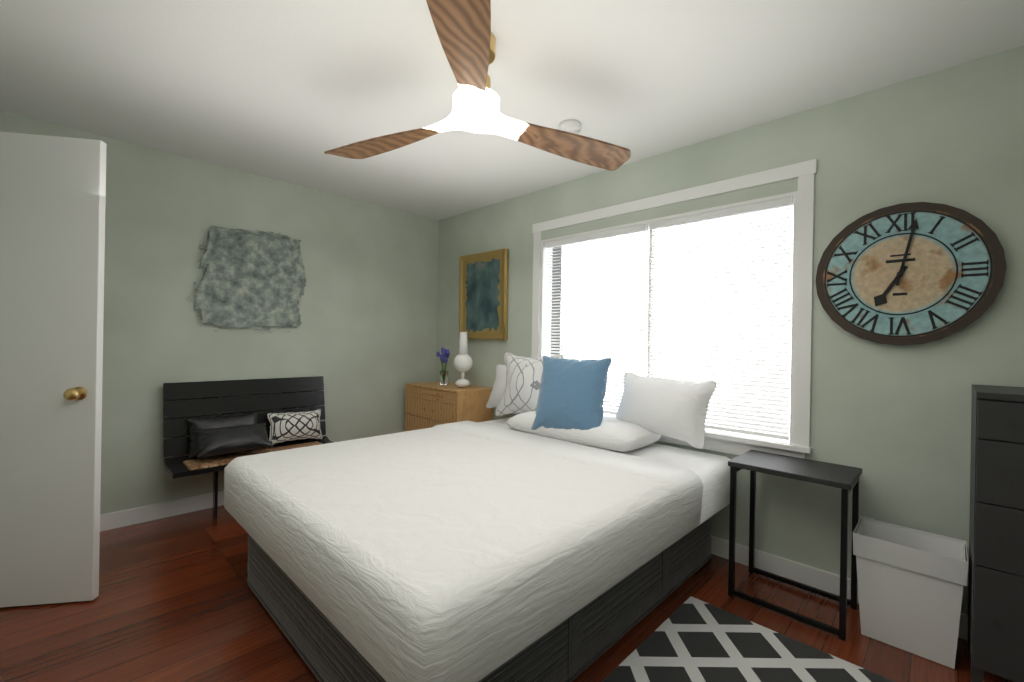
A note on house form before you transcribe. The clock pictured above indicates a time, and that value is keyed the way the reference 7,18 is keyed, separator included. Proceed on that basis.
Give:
7,02
